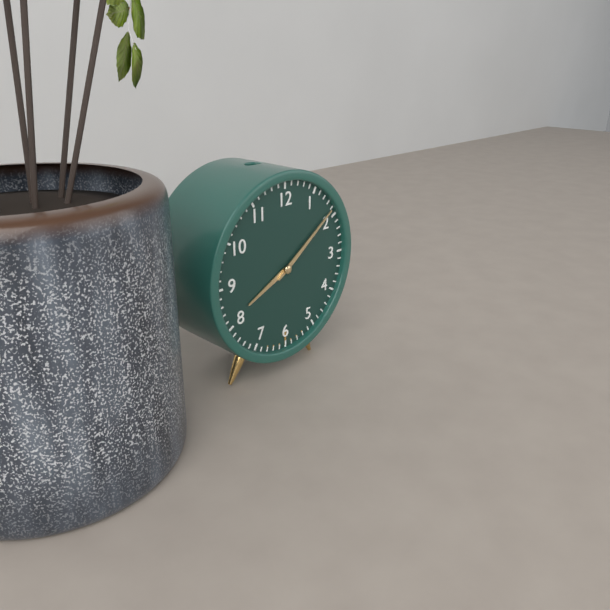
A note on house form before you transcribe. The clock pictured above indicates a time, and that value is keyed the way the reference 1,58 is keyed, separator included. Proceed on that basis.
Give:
8,09
